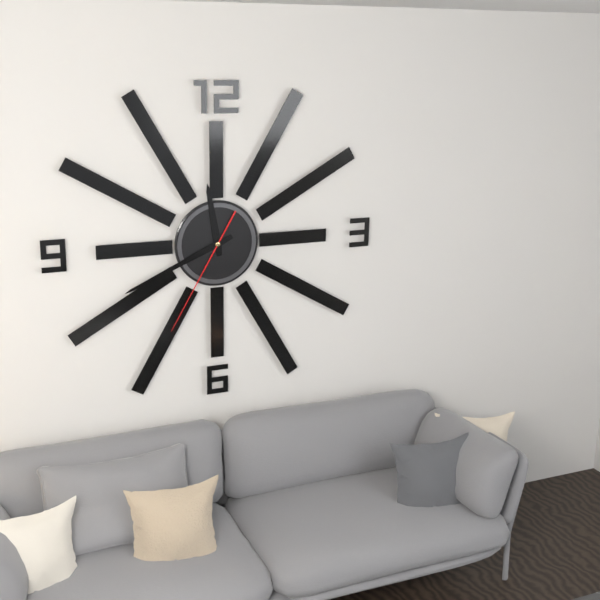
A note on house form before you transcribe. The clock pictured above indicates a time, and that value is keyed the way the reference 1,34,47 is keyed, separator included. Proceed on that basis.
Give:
11,41,35
